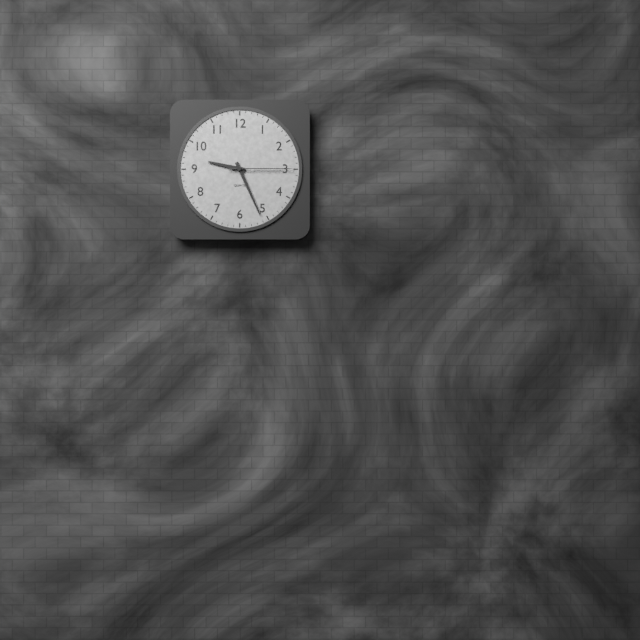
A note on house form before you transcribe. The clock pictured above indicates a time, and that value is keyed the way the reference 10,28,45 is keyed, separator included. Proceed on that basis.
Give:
9,26,15
